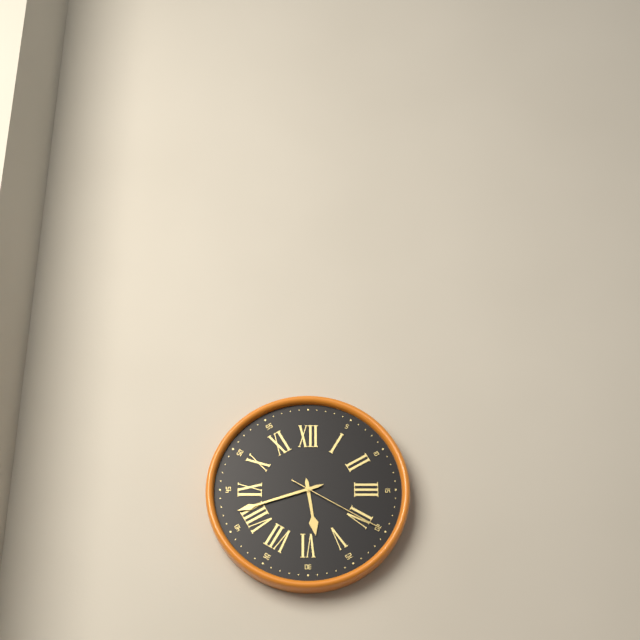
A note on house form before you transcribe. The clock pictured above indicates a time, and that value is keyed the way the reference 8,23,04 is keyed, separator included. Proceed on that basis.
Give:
5,42,20
